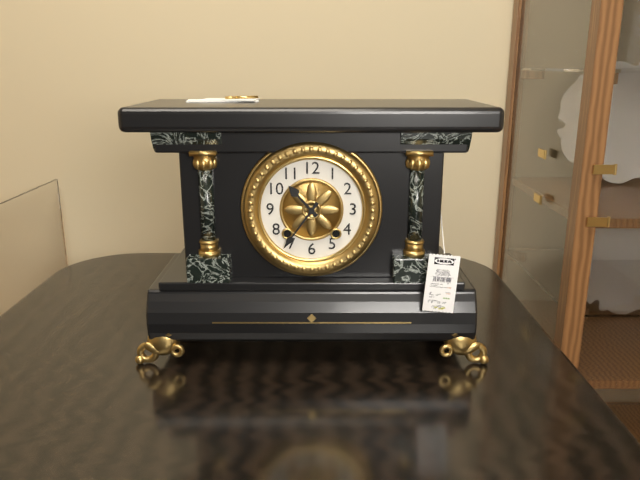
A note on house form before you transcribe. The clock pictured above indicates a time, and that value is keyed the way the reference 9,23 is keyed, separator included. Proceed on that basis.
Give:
10,36
